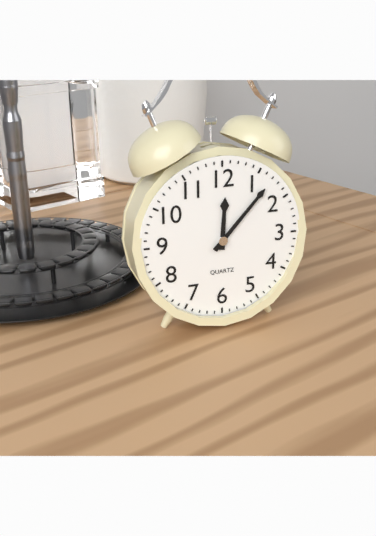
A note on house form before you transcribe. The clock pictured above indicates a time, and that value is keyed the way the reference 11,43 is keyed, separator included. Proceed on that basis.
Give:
12,07
